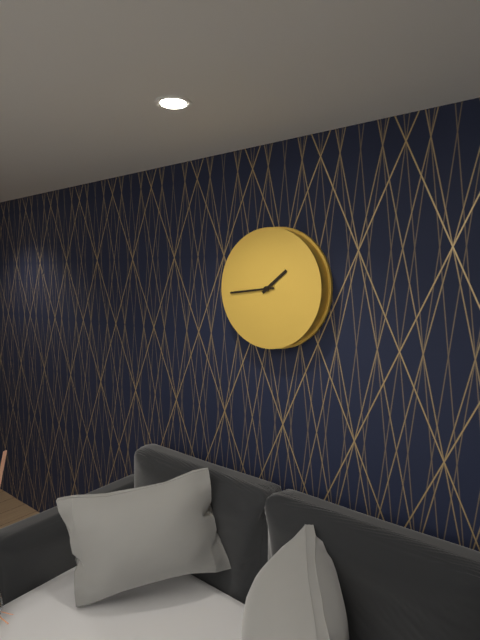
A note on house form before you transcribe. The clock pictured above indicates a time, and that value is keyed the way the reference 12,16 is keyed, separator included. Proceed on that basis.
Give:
1,44
